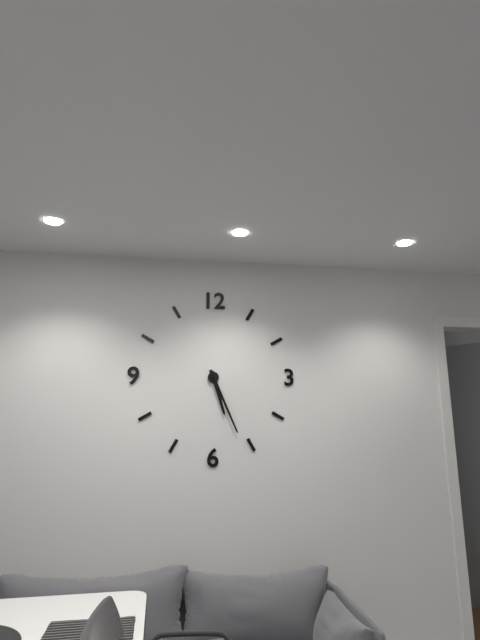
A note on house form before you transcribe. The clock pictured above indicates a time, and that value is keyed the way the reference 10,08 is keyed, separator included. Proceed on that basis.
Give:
5,26
